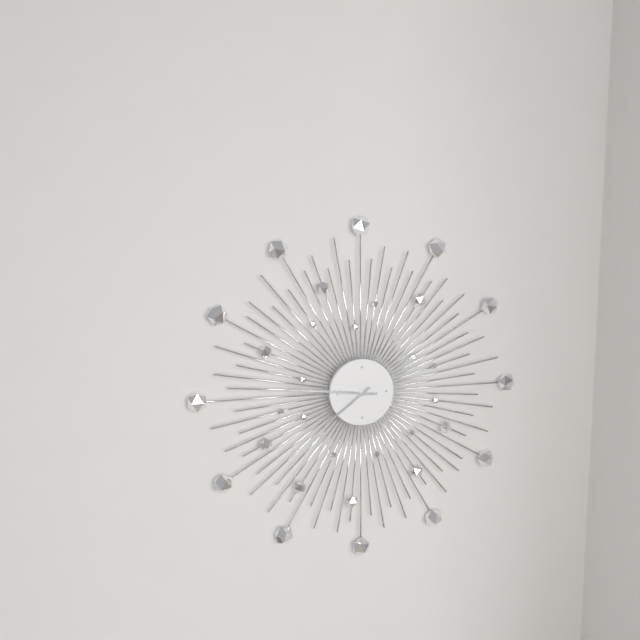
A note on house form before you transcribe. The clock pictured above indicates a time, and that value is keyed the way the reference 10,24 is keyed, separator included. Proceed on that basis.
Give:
7,46
